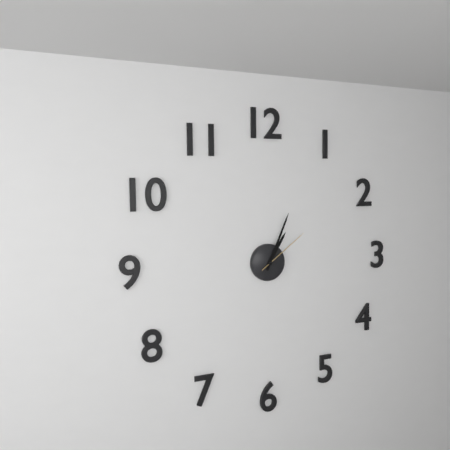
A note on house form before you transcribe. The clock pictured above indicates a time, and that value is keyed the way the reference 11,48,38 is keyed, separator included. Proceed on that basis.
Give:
1,04,09
